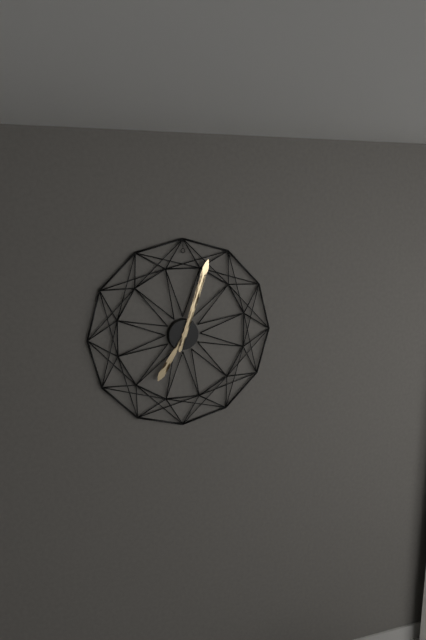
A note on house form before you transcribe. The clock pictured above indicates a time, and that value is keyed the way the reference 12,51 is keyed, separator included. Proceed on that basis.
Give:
7,03
